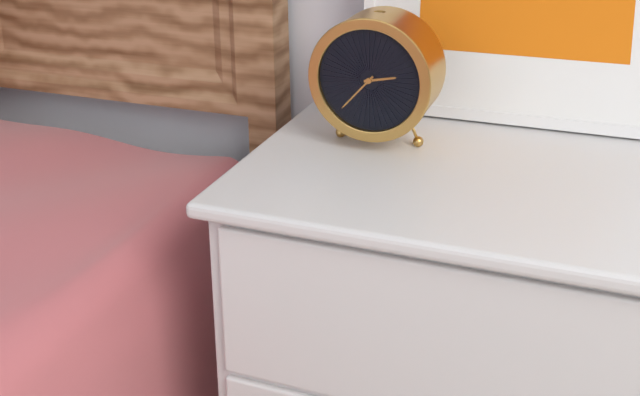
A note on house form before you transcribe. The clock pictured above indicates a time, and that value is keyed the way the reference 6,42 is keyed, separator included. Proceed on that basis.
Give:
2,37
